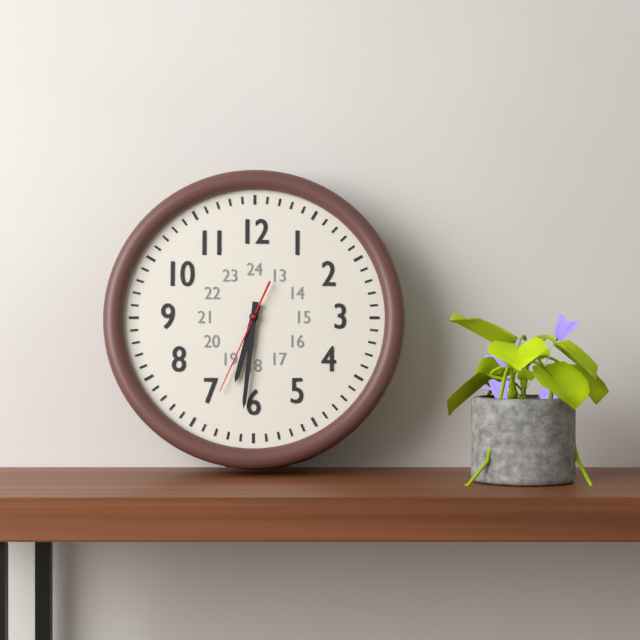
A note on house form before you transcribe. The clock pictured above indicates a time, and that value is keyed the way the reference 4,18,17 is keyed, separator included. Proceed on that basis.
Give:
6,31,34
